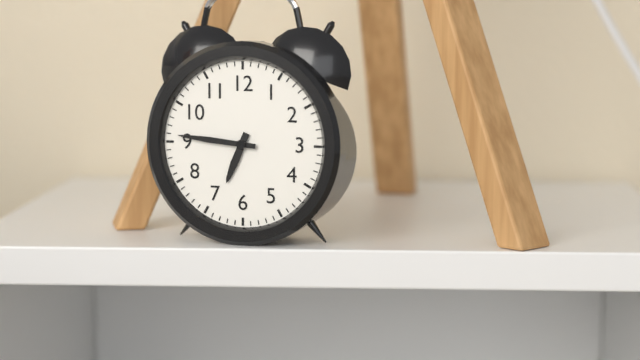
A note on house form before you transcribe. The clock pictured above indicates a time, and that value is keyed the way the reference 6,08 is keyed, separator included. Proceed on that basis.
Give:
6,46
